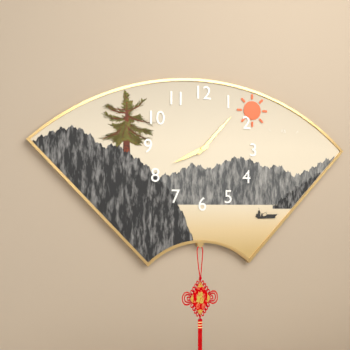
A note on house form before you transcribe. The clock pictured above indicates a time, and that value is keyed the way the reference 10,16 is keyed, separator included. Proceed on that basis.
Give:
8,07
